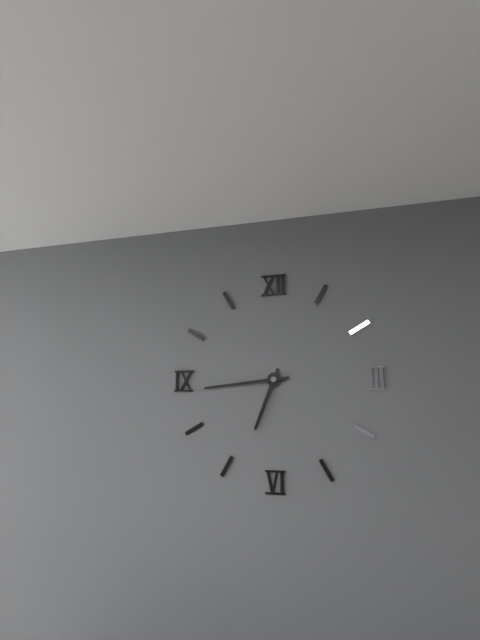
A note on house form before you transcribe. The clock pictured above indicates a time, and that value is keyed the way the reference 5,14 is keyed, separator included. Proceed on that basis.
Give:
6,44
